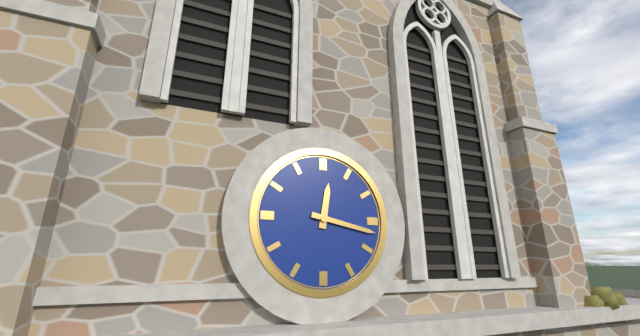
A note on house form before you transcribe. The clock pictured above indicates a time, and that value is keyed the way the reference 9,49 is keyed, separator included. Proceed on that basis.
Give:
12,17
